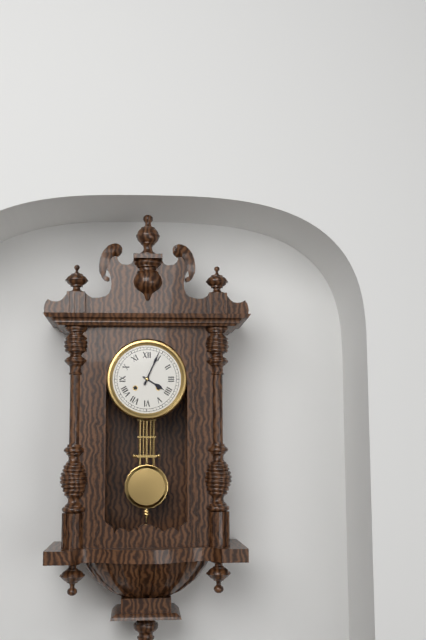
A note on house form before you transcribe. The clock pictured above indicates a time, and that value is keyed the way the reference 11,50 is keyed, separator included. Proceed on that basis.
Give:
4,04
